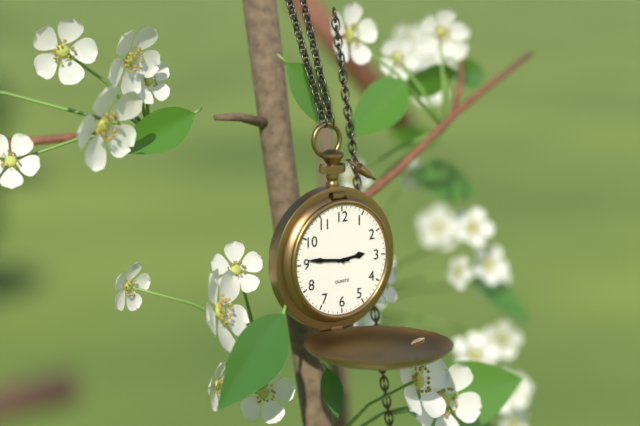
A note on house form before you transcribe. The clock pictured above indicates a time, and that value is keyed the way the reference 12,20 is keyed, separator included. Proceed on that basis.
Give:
2,46
